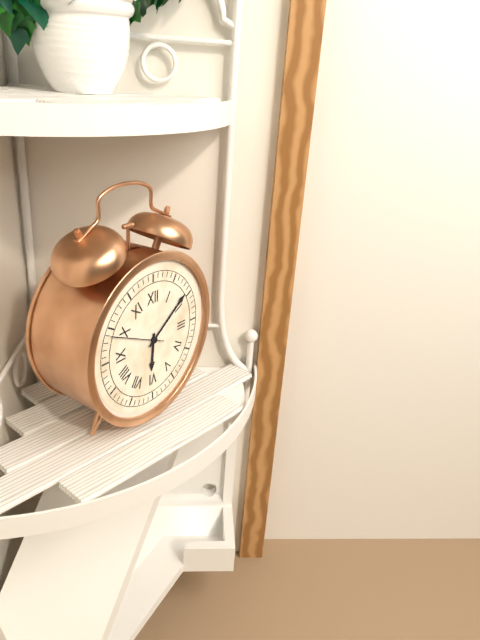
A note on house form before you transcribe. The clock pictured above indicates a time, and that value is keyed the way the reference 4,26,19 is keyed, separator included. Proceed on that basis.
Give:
6,09,49
